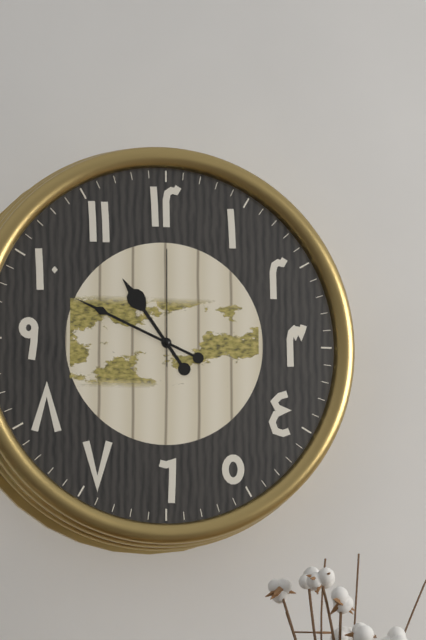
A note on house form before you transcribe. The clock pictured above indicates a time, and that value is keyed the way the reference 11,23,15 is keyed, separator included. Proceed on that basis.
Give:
10,49,00
